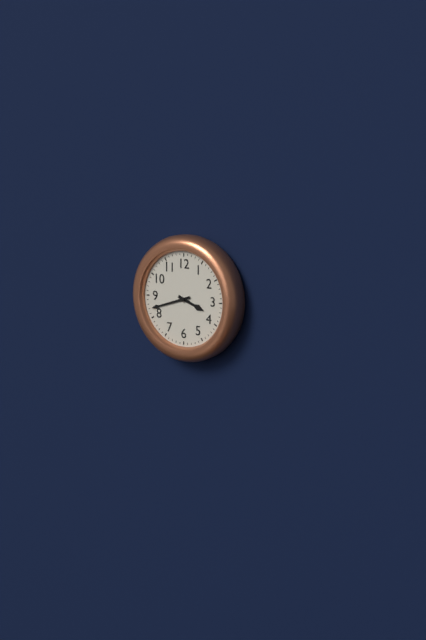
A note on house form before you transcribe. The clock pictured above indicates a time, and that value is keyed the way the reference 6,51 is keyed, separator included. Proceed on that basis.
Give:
3,42
